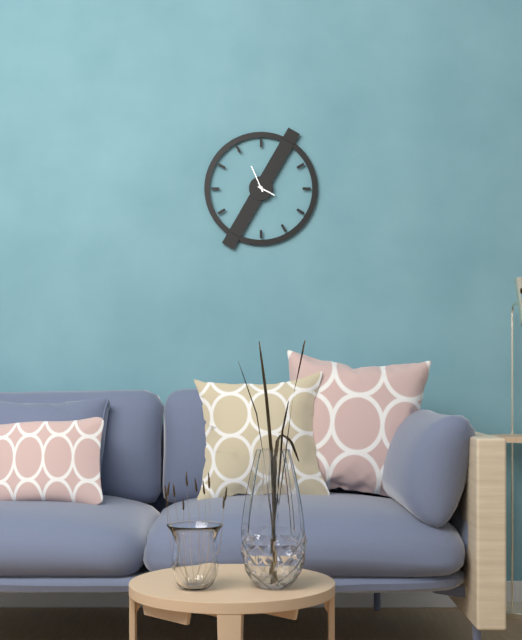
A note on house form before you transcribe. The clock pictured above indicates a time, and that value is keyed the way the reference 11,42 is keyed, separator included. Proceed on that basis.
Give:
3,56
